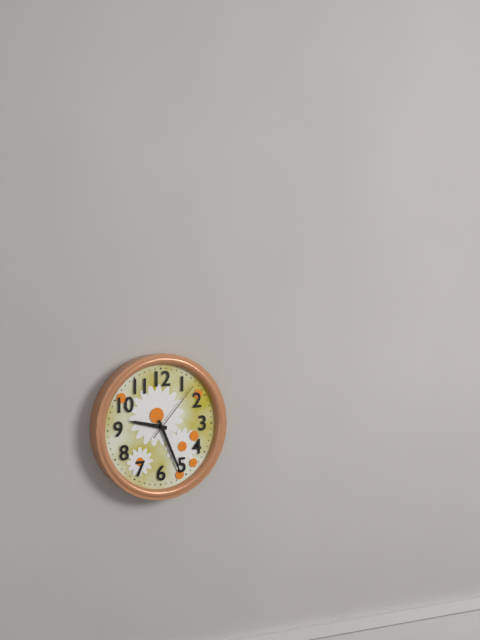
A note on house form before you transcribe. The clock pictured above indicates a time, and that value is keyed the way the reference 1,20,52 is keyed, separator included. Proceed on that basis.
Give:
9,26,07
